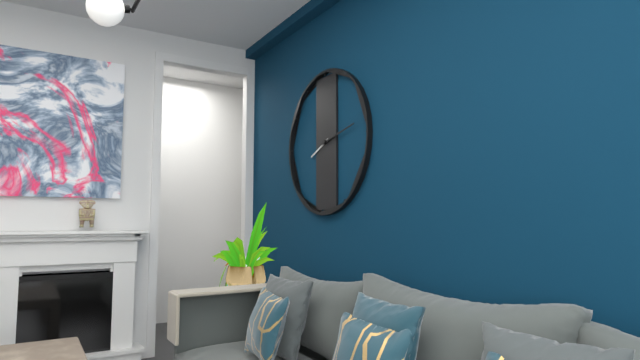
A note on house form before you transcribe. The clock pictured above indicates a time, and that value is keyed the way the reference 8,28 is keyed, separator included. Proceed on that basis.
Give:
8,13
